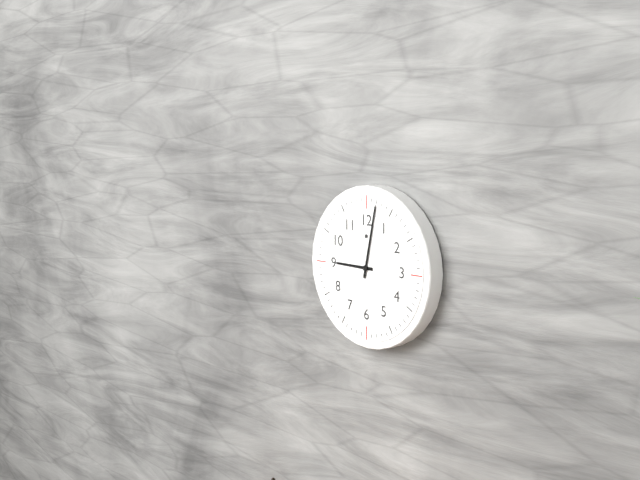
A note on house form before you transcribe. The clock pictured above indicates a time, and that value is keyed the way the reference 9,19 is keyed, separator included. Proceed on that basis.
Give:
9,02
